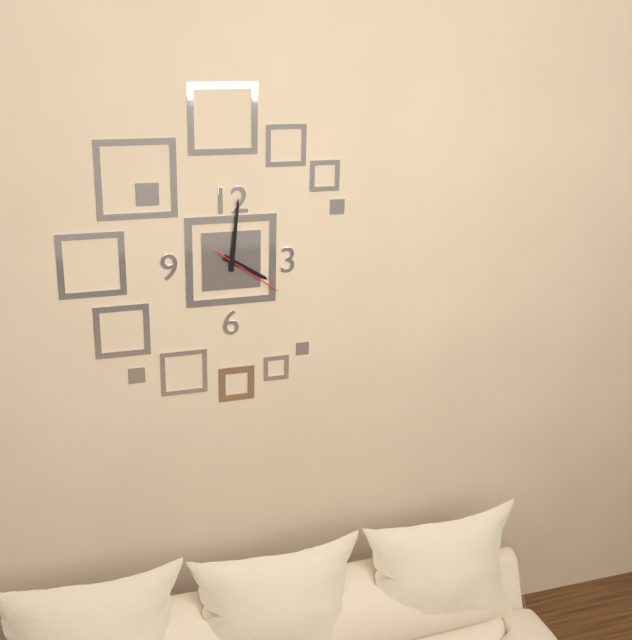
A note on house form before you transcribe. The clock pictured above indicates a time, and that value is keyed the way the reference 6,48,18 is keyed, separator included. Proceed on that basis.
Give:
4,01,21
